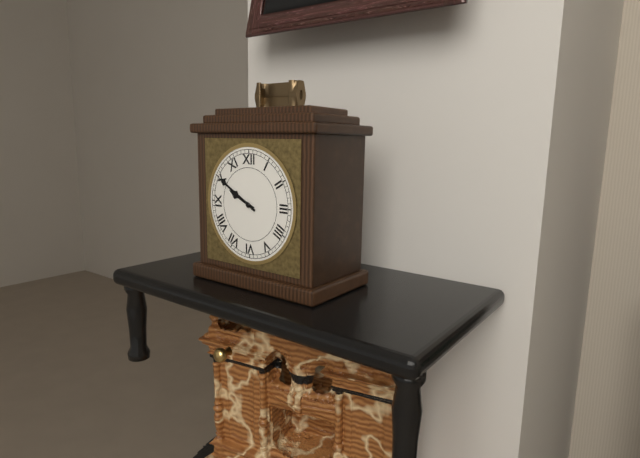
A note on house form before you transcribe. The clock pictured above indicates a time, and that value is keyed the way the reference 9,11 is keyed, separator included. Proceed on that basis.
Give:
9,50
